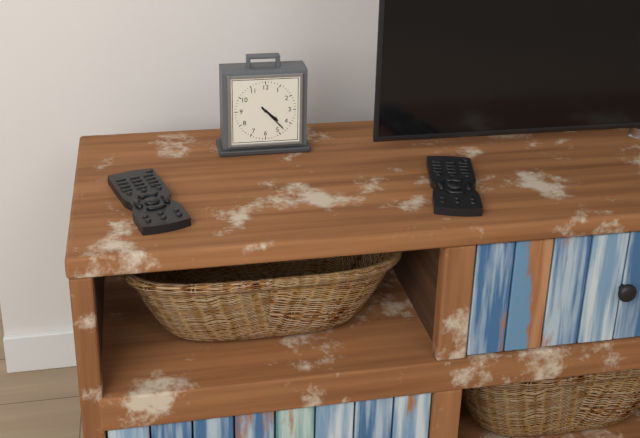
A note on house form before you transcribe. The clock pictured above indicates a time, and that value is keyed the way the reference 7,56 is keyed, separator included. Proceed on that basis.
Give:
4,23
